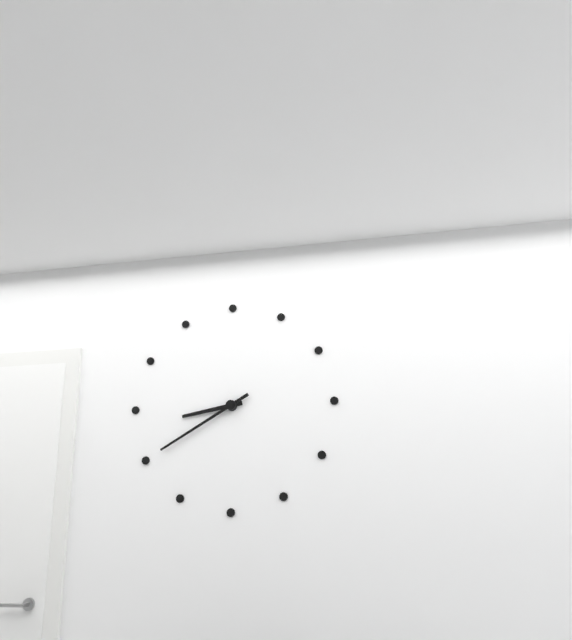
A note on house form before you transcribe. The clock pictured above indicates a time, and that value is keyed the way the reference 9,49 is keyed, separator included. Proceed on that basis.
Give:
8,40
